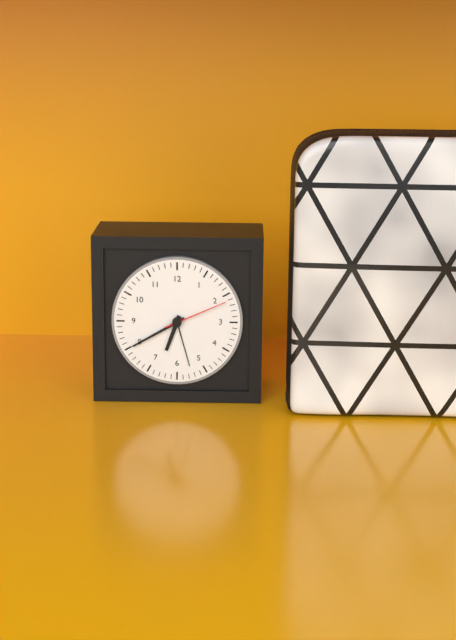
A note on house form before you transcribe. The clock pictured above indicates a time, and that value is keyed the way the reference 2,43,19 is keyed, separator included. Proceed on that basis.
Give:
6,40,11
